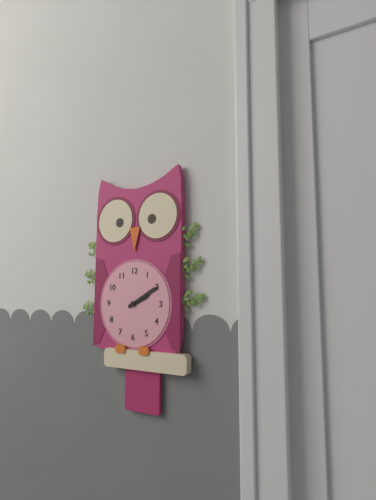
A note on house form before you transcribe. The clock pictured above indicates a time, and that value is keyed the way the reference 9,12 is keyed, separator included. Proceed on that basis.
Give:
2,10
